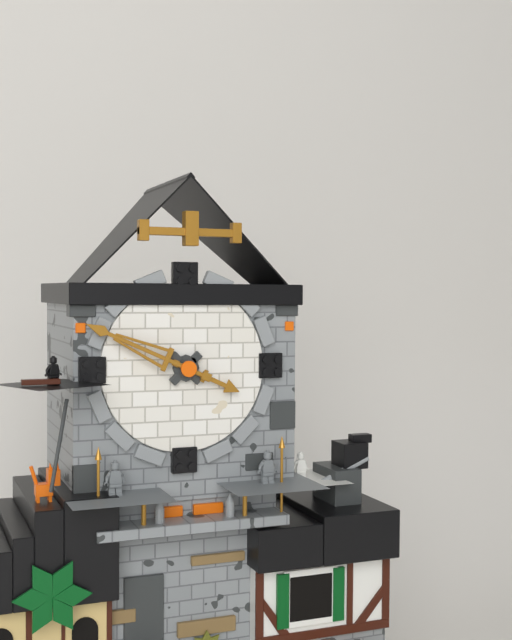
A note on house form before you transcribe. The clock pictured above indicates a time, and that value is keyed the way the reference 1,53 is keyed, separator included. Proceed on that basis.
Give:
3,49
